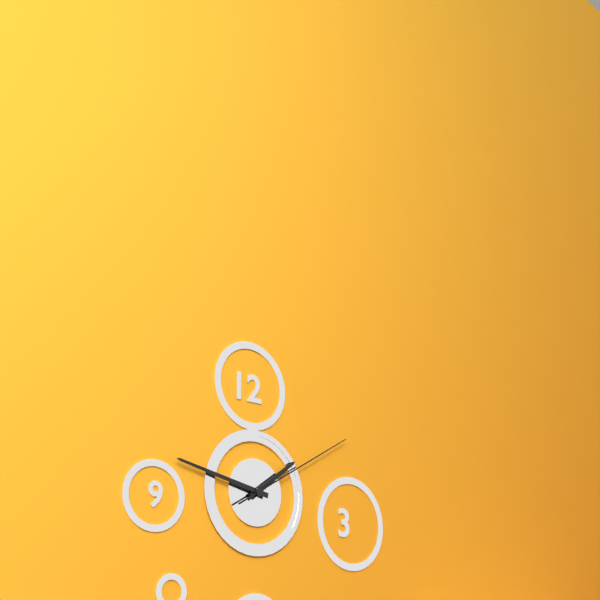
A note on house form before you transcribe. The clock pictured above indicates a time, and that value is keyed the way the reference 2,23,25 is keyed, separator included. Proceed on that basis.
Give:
1,47,10
